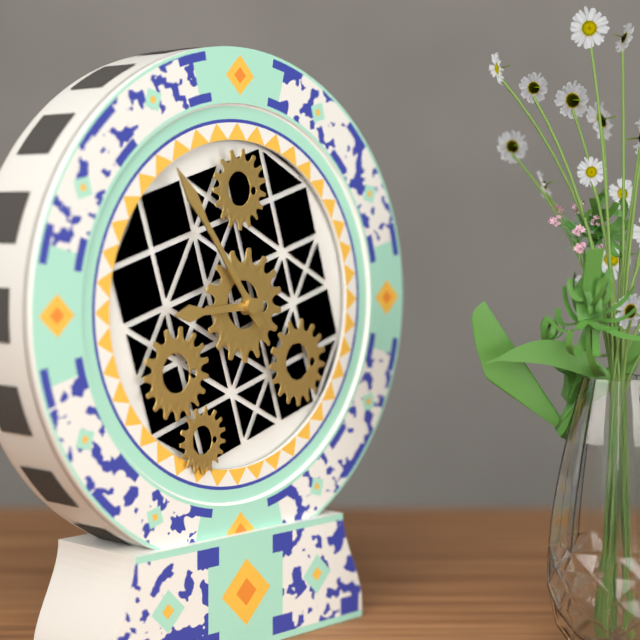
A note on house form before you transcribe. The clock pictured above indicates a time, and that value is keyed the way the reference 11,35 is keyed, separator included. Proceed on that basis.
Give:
8,54
